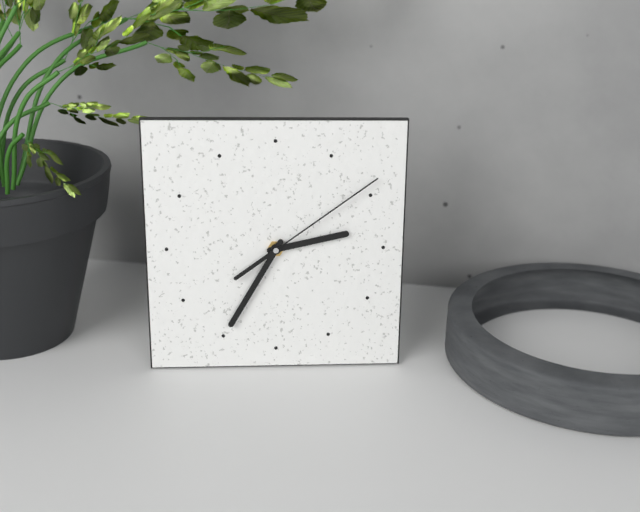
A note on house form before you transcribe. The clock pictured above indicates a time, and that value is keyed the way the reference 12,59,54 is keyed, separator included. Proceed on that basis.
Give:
2,35,09
